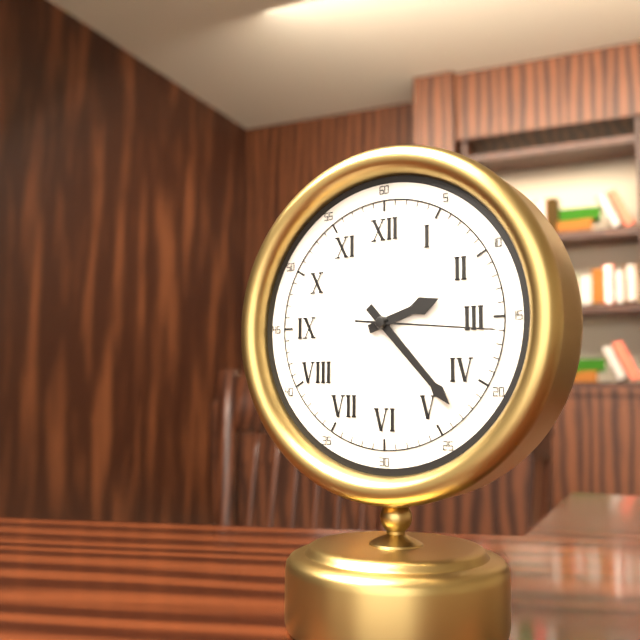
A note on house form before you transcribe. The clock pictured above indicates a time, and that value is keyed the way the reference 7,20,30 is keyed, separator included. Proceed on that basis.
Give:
2,23,16
